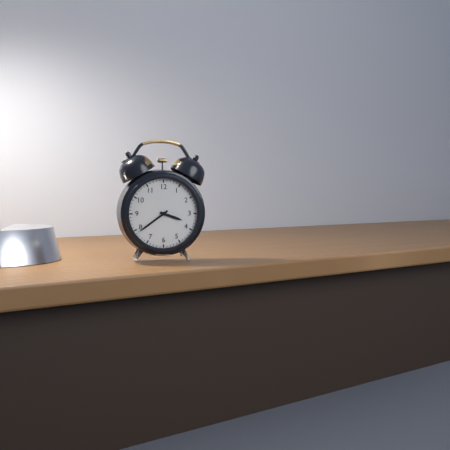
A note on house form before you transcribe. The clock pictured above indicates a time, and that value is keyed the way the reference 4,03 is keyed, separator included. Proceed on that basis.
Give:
3,39
